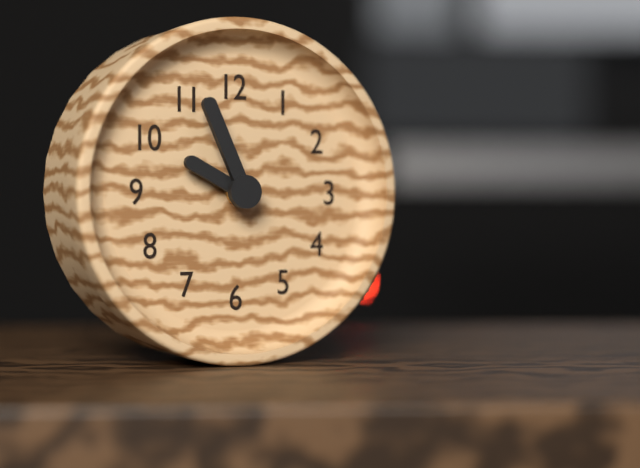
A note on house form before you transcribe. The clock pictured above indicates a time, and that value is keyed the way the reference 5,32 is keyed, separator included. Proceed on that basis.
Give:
9,56
